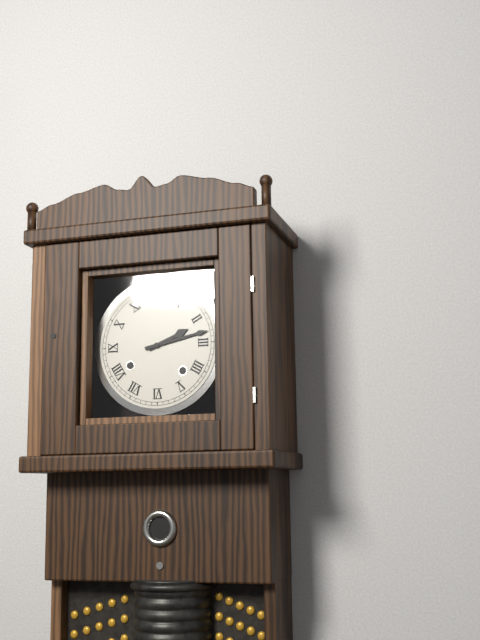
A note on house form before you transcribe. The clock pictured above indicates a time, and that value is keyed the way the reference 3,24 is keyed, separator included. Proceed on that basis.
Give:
2,13
